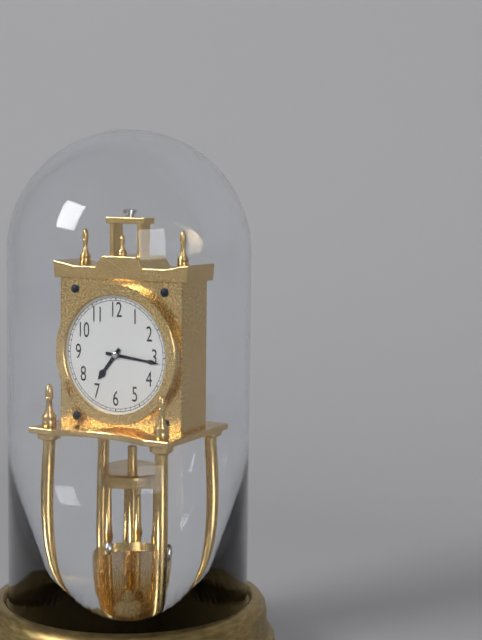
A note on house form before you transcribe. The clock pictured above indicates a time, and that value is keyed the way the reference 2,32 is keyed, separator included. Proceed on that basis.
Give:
7,16
